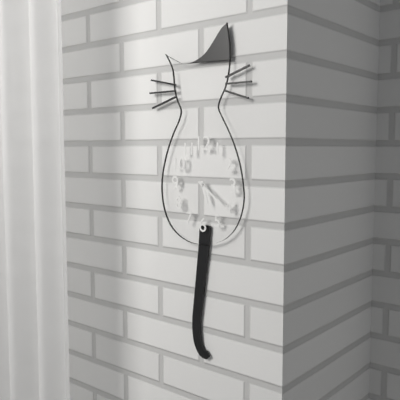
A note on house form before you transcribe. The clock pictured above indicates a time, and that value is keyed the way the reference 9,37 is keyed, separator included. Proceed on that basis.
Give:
5,21
